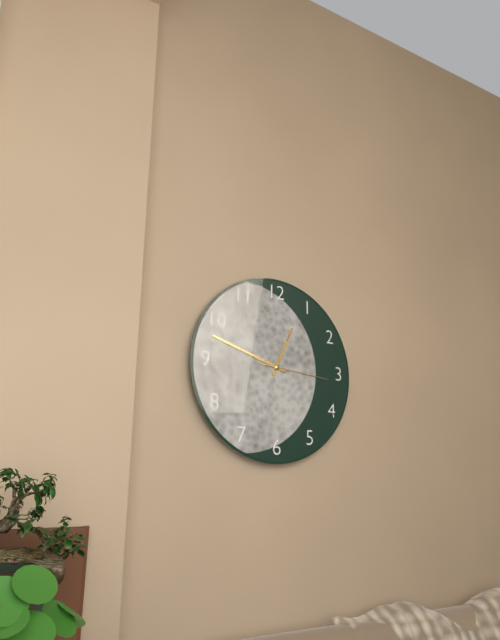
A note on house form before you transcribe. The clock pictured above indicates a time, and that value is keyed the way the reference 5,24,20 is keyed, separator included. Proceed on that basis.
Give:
12,48,16
